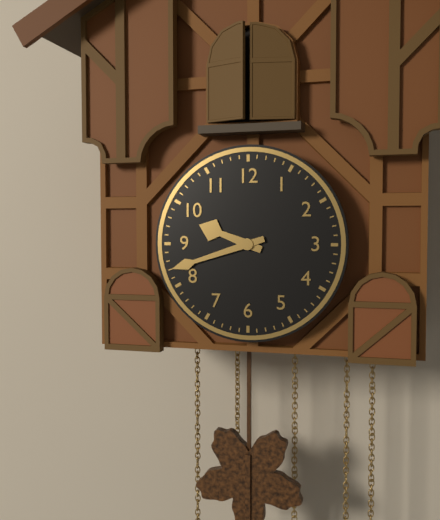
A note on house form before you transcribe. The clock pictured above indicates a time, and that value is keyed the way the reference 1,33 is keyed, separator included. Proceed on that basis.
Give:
9,42
